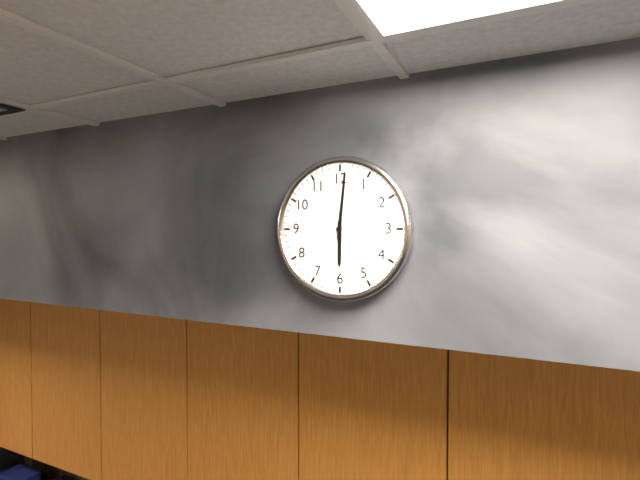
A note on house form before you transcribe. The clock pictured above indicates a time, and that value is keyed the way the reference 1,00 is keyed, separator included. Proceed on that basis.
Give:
6,01
